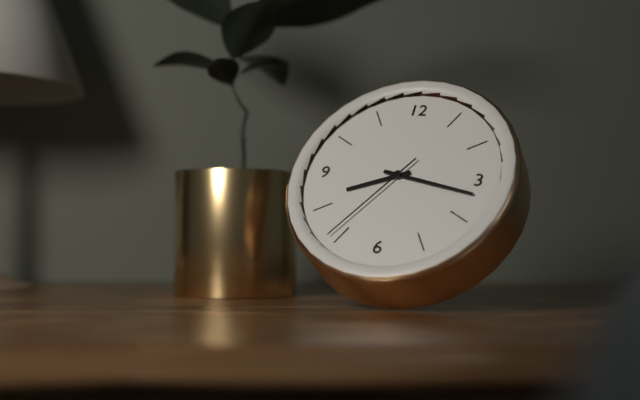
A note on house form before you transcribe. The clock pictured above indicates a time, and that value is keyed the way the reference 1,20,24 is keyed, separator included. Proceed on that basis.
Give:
8,17,36
